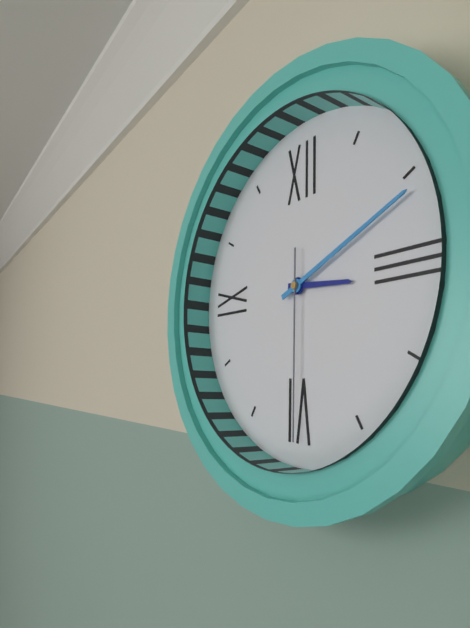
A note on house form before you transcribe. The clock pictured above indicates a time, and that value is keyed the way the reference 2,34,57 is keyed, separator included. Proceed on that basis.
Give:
3,11,30
